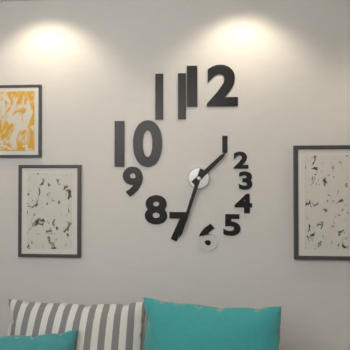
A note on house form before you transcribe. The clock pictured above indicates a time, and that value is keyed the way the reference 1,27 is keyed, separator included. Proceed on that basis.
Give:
1,33
